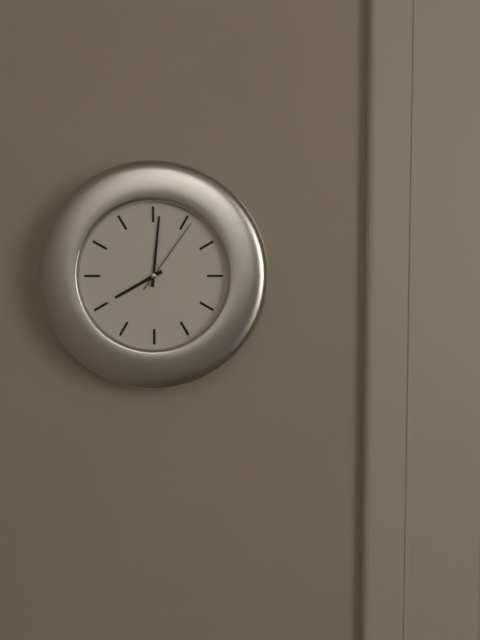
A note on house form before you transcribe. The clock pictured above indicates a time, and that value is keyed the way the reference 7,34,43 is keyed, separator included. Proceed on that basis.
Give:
8,01,06
